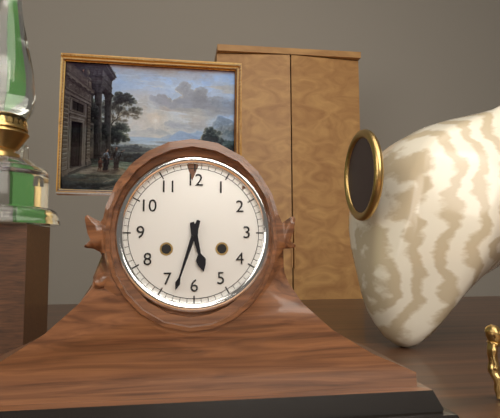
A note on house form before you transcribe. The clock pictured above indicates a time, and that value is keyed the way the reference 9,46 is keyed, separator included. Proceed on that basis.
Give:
5,33
